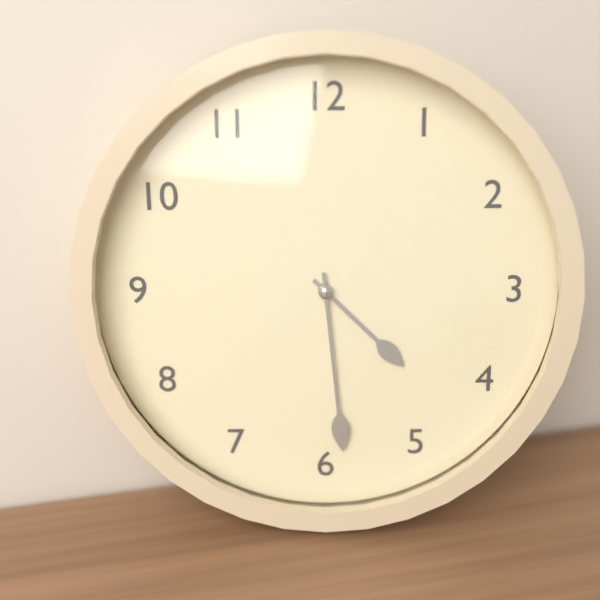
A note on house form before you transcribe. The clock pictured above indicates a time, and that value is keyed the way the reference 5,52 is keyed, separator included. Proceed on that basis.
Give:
4,29
